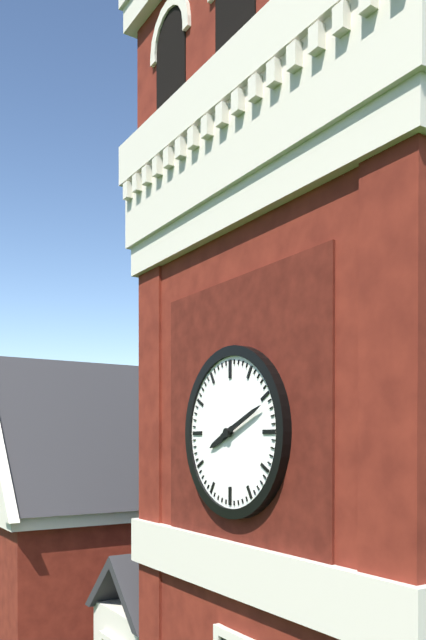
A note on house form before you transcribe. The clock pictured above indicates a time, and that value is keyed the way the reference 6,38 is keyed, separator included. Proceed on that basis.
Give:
8,11
